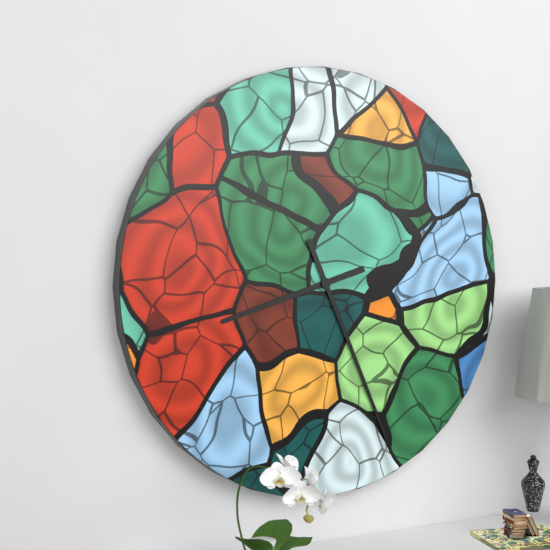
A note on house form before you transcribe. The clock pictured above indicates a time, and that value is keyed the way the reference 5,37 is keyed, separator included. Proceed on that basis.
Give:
8,26
